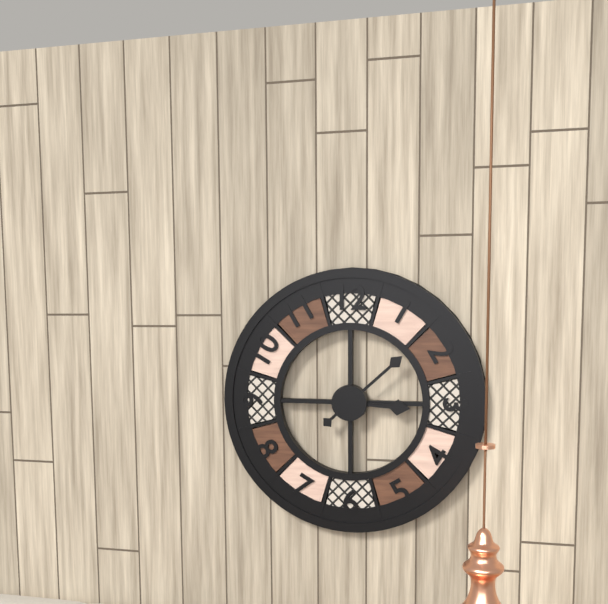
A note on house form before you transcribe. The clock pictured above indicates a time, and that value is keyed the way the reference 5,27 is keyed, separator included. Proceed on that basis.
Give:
3,08
